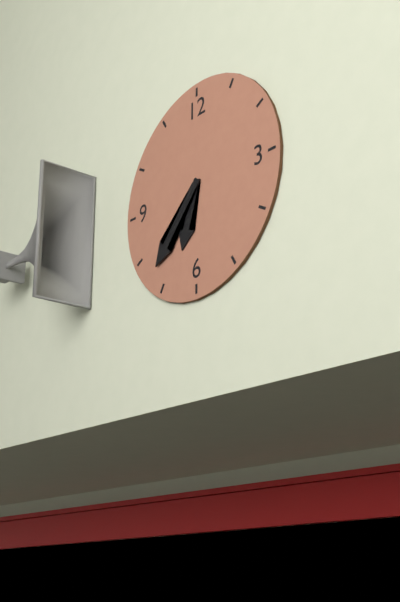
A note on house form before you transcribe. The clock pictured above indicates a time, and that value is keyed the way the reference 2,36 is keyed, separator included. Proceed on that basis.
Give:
6,37
